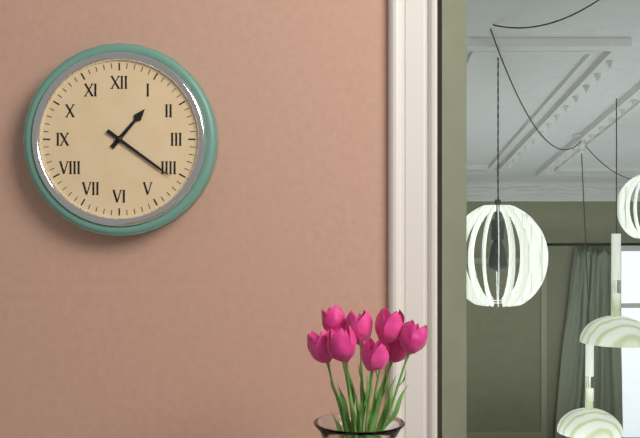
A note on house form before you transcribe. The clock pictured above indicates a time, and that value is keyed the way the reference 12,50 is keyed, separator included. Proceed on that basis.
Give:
1,21
